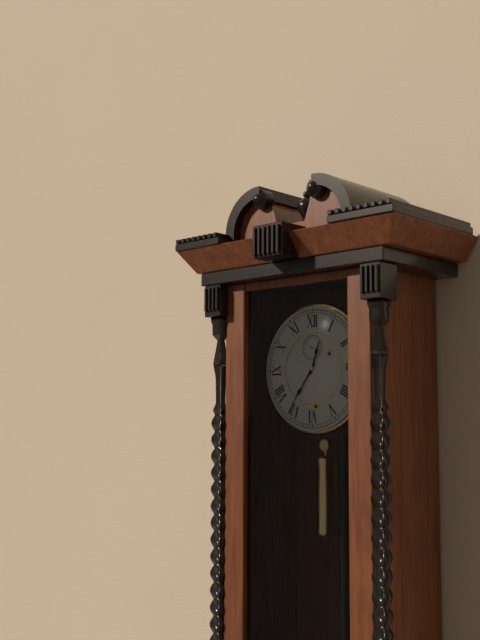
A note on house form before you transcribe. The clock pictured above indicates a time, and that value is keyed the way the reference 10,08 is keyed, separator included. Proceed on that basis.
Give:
12,36
